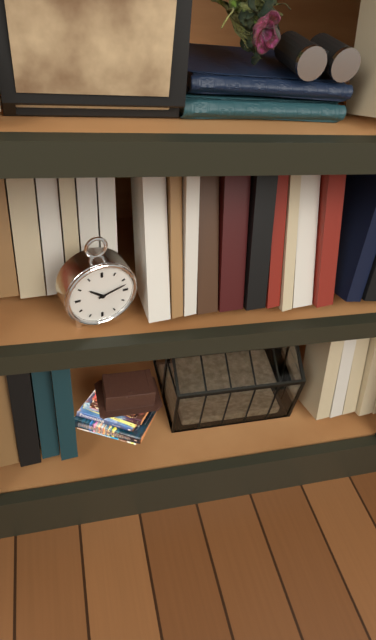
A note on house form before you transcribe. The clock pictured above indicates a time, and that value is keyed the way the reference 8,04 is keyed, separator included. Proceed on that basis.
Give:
10,12
